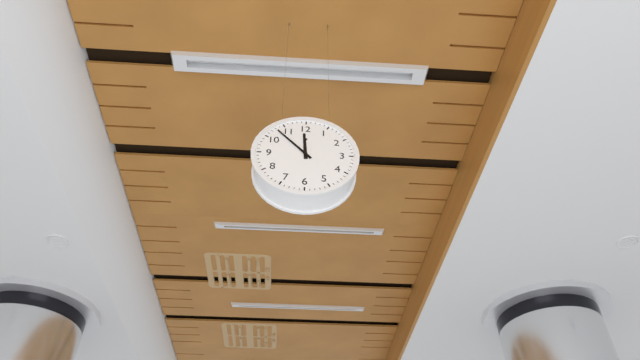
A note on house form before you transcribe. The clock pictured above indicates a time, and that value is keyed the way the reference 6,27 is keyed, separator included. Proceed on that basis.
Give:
11,53
